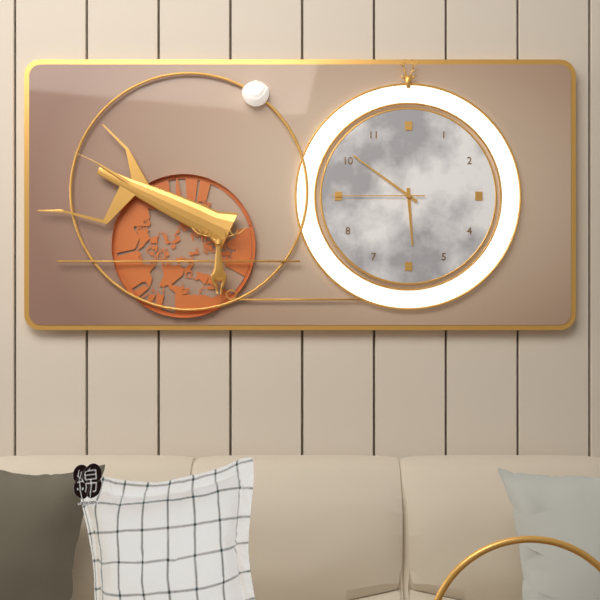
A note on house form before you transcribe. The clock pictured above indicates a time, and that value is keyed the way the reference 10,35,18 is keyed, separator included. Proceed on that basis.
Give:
5,51,45
